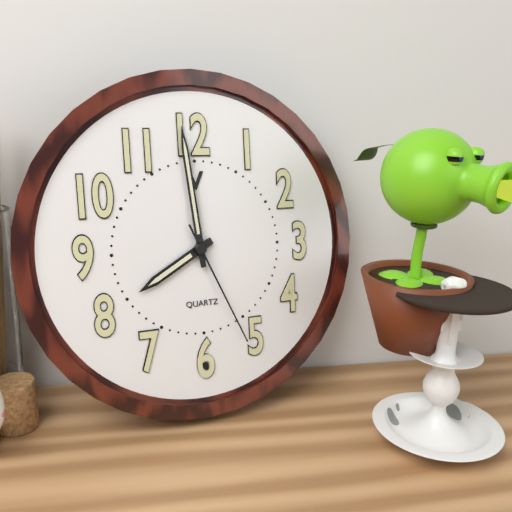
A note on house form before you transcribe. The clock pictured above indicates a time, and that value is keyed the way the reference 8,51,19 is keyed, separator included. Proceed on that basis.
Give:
7,59,26
